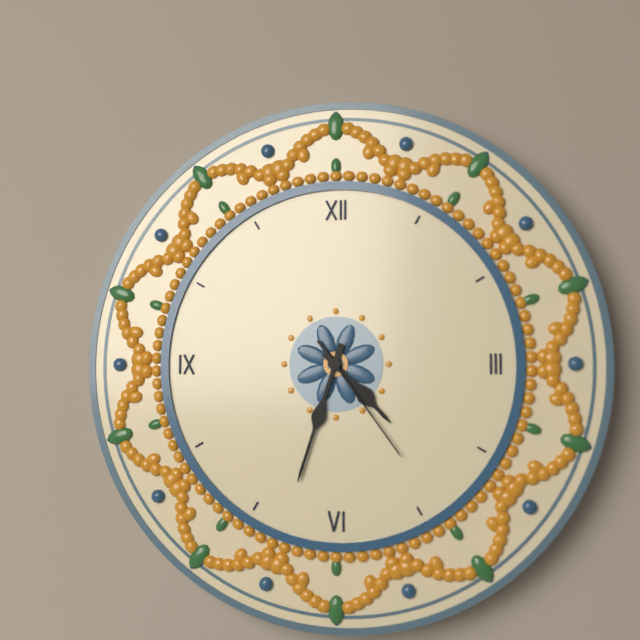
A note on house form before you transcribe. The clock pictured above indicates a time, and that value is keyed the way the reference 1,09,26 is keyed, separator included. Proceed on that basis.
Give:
4,33,24
